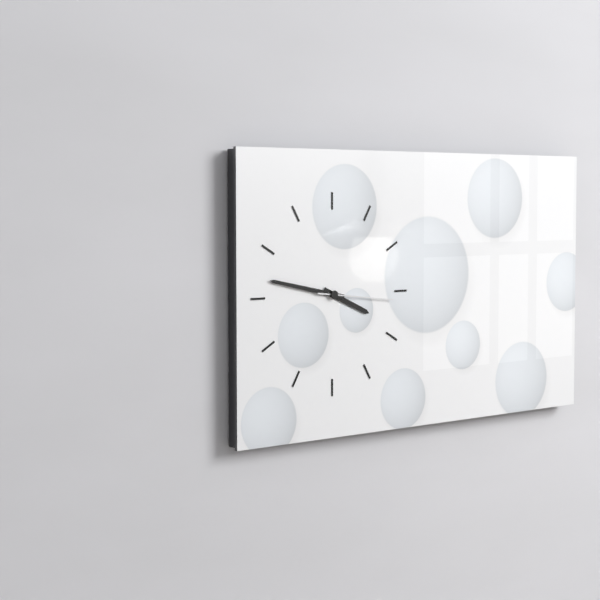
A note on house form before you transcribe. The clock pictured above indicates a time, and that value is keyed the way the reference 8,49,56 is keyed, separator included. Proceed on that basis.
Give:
3,47,16
